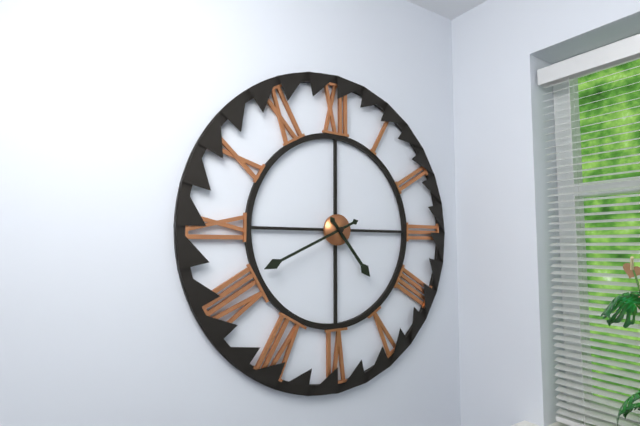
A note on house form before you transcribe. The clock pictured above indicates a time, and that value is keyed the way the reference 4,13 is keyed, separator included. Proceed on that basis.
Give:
4,41
